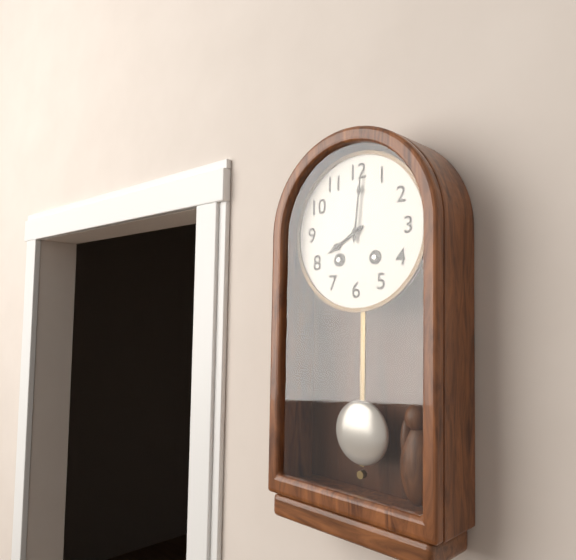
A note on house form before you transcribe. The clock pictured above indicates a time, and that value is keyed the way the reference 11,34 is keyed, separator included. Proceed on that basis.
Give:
8,01
